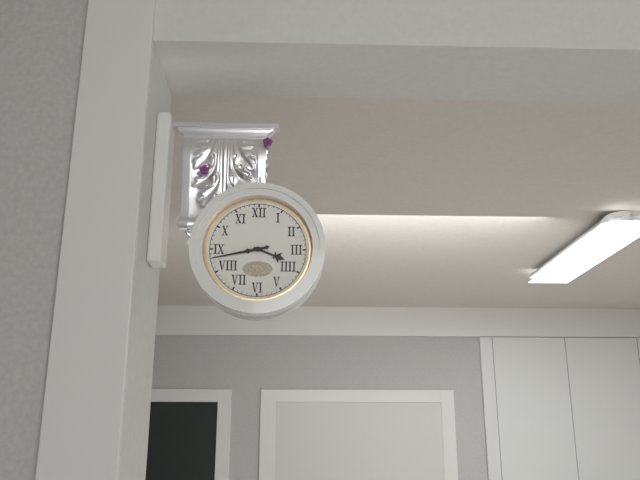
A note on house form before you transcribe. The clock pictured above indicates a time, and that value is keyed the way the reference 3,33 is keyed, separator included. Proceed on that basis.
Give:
3,43
